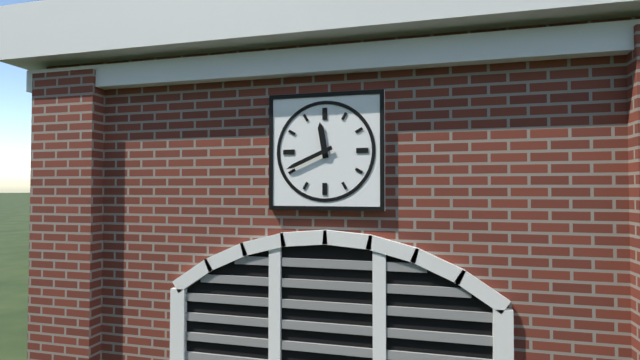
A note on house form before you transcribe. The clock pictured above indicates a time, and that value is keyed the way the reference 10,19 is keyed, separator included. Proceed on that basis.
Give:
11,41
